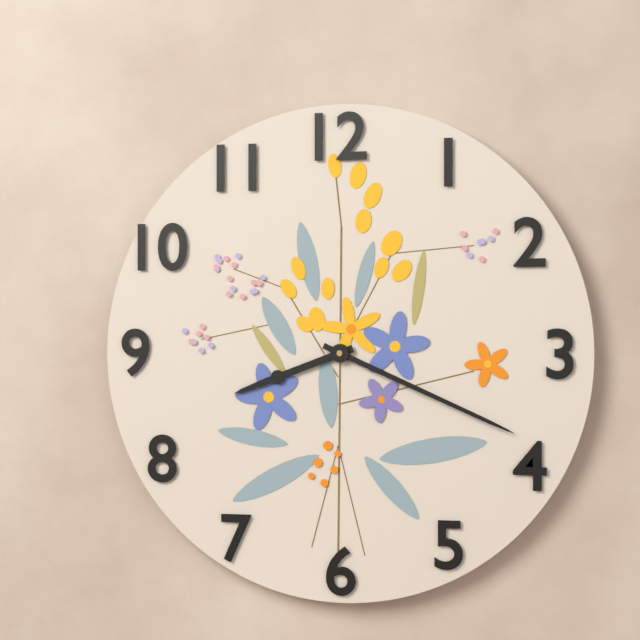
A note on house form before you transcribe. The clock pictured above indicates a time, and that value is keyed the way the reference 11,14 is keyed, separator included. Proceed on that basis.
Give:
8,19
